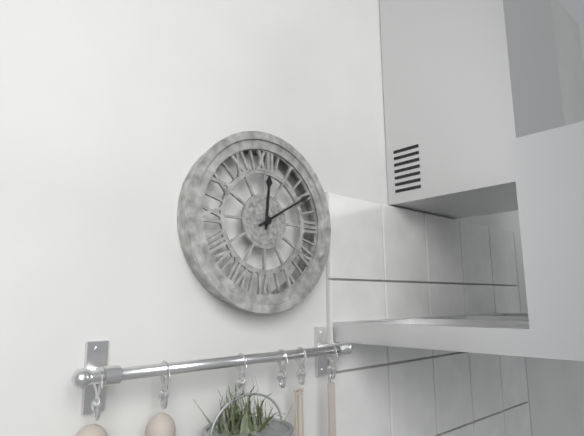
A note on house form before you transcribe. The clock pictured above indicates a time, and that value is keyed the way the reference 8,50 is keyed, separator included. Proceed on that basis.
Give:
12,10
